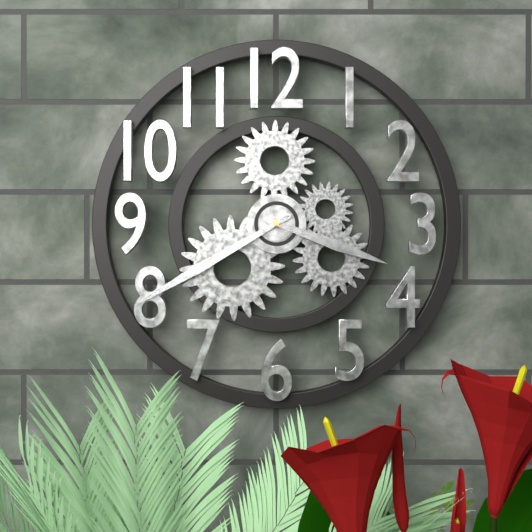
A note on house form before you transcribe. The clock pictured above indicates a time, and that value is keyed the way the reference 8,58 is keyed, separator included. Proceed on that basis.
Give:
3,40
